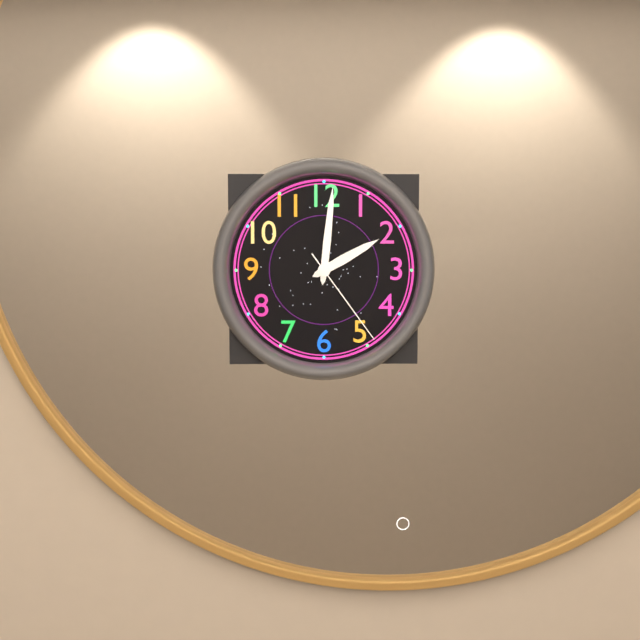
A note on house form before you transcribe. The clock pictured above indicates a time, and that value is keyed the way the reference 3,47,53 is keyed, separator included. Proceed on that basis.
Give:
2,01,24
